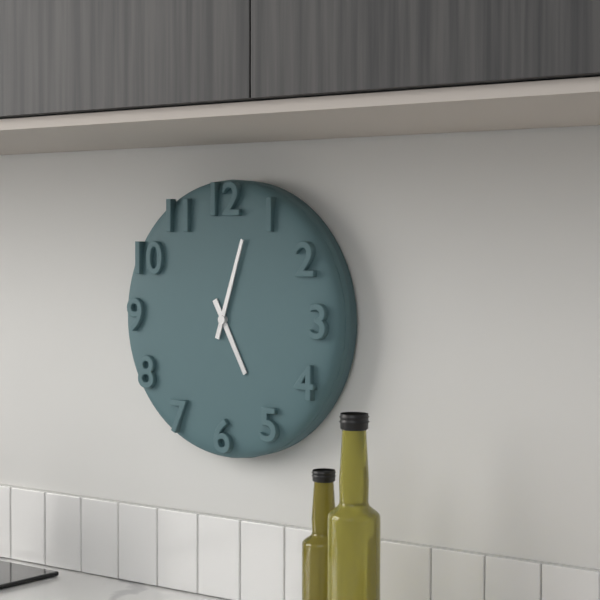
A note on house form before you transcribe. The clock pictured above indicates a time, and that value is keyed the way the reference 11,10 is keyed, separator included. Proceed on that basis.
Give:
5,03
